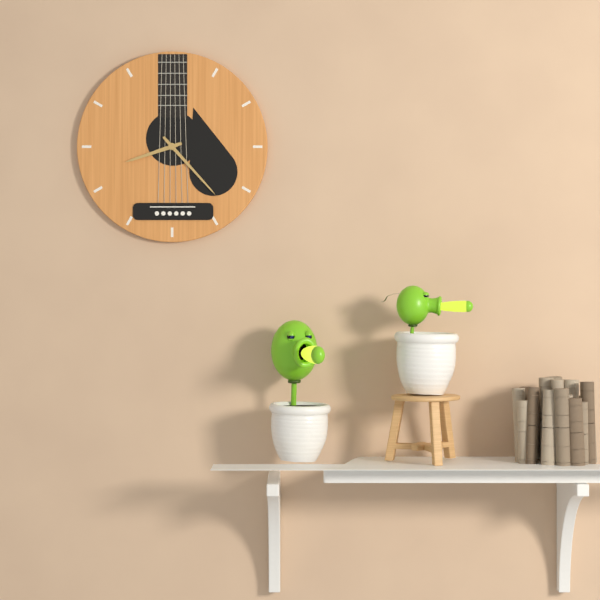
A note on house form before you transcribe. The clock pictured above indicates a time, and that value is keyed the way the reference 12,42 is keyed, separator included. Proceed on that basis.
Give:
8,23
